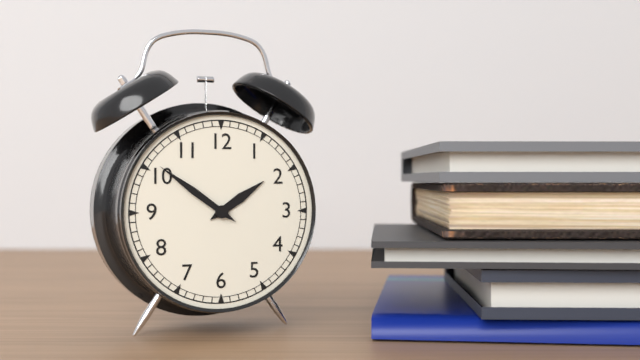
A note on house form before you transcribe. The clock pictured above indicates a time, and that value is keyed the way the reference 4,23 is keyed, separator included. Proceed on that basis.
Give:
1,51
